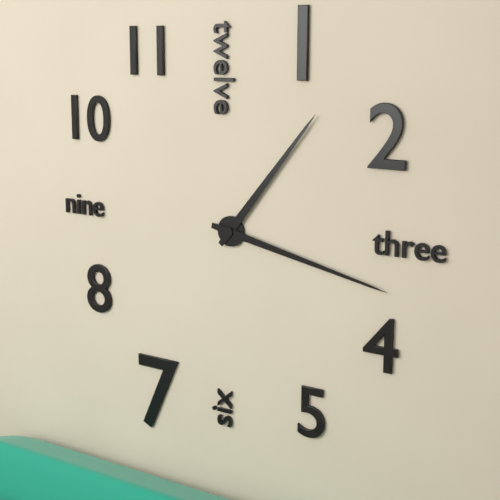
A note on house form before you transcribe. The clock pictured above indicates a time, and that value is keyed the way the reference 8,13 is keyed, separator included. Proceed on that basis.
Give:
1,17
